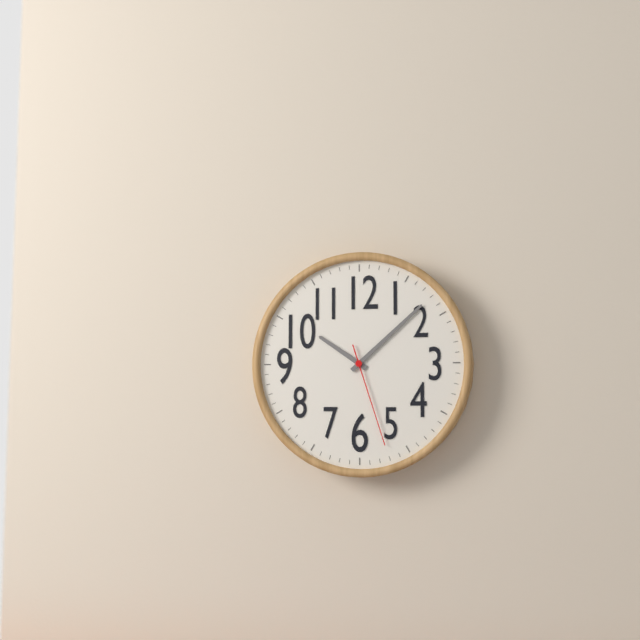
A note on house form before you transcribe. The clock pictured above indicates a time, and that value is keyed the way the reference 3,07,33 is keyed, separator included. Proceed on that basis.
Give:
10,08,27
